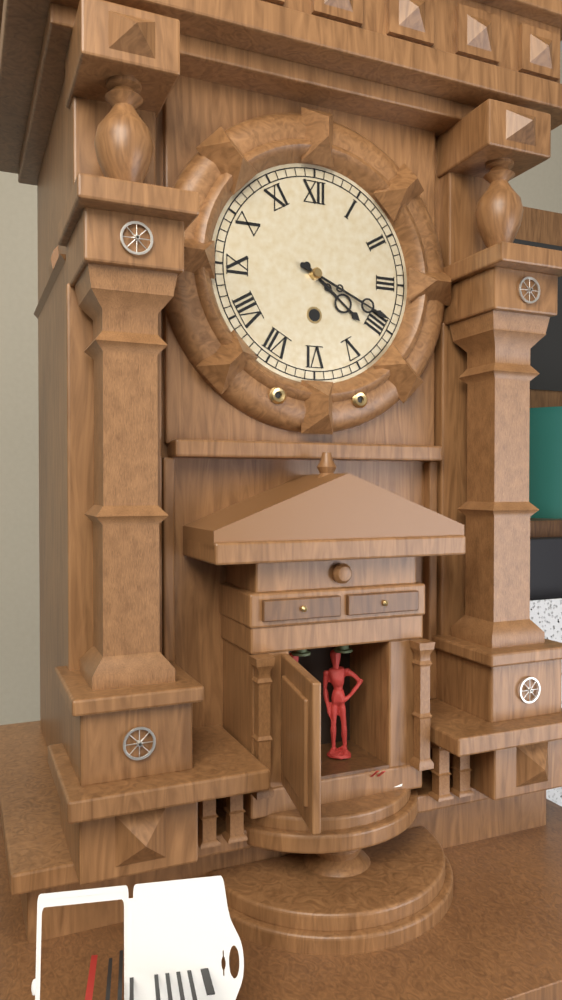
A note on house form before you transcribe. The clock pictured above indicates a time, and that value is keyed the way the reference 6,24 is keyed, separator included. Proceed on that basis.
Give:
4,19
